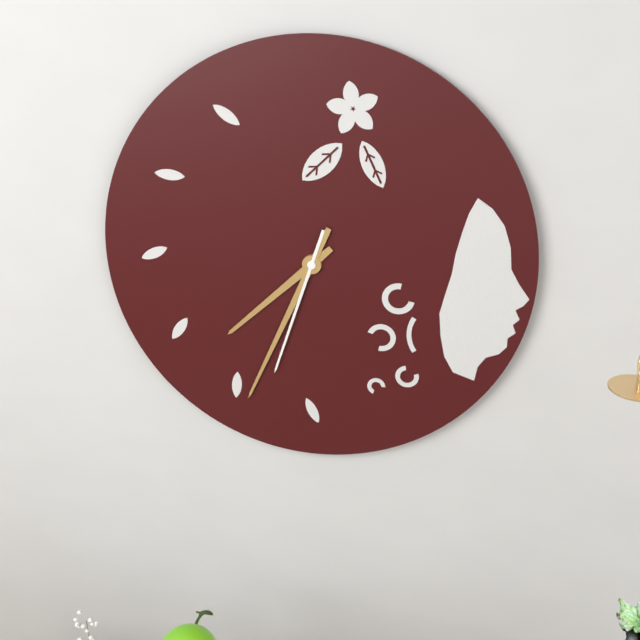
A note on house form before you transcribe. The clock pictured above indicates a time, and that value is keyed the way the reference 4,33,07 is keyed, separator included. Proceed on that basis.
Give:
7,34,33
